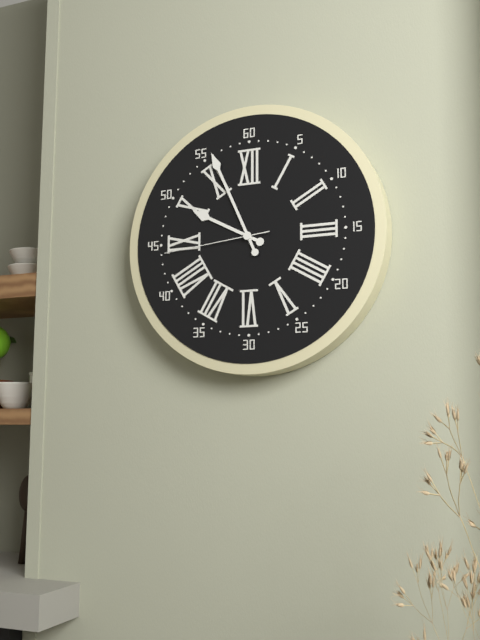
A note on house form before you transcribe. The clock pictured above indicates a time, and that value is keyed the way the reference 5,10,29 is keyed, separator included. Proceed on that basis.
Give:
9,56,44
